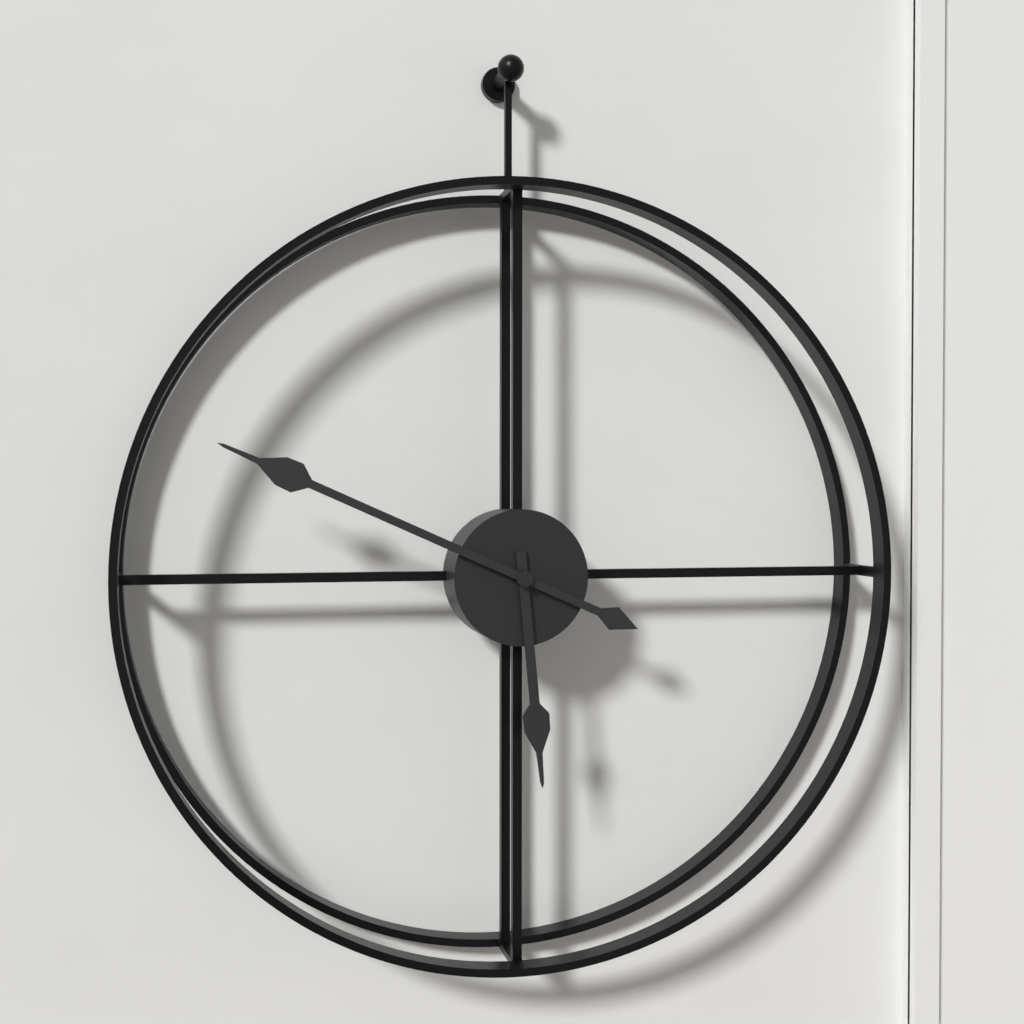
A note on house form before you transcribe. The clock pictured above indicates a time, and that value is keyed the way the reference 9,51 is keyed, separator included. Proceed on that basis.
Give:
5,49
